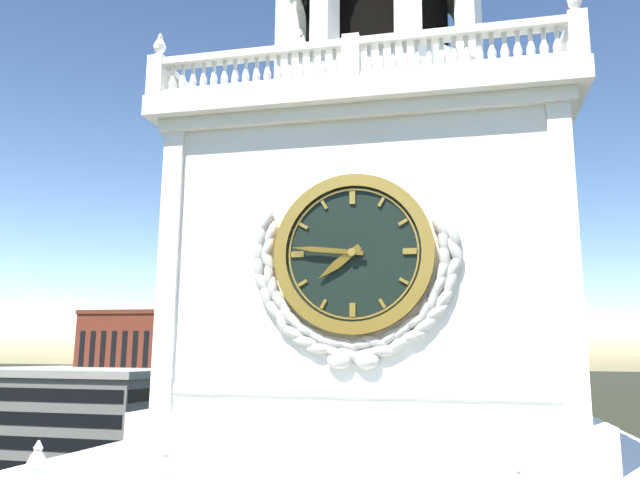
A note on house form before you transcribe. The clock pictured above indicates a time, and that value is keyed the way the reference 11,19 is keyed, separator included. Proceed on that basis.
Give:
7,46
